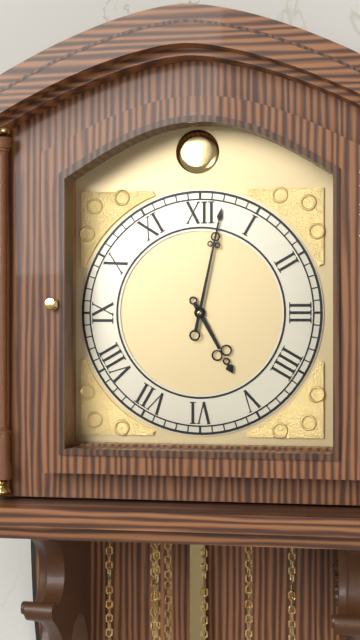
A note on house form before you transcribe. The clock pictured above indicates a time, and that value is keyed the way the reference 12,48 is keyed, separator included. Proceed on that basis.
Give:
5,02
